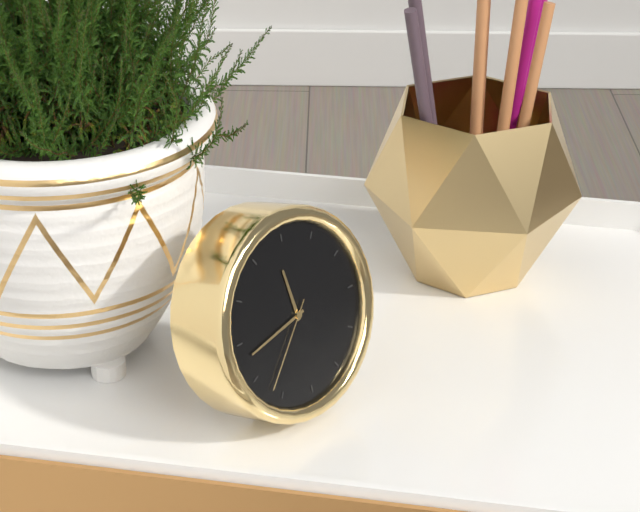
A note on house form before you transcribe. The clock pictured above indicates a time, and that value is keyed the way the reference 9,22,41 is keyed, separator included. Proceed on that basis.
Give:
11,43,37
